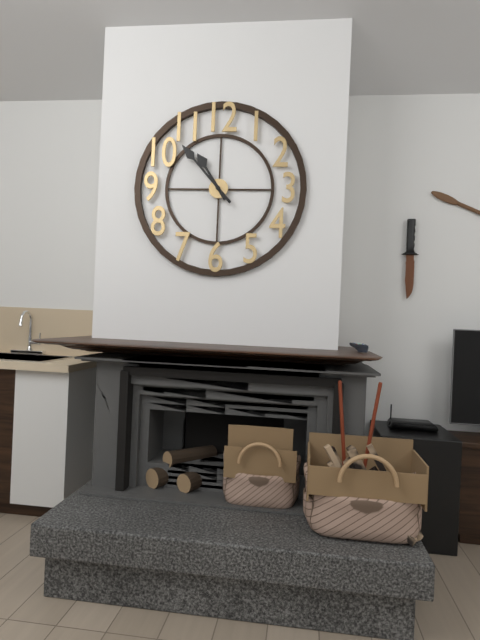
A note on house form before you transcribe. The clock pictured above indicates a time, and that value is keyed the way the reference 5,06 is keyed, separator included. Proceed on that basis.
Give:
10,53
